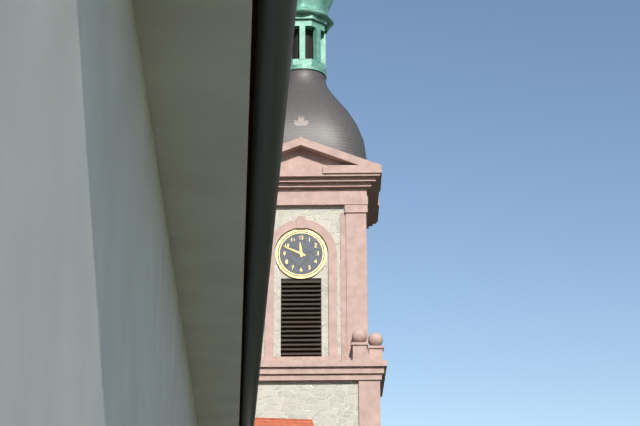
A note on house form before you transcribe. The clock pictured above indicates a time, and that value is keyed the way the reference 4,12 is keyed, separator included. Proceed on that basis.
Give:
11,49
